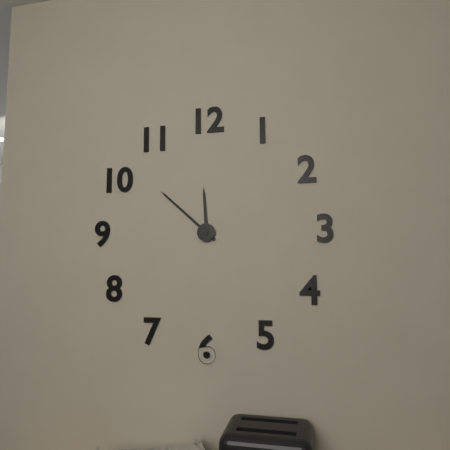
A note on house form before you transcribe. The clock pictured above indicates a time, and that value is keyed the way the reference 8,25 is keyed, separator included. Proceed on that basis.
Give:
11,52
